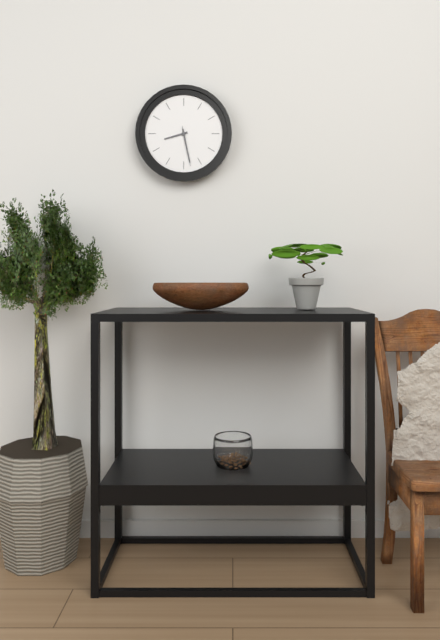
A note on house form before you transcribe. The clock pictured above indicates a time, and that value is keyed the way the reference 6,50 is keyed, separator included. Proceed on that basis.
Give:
8,28
